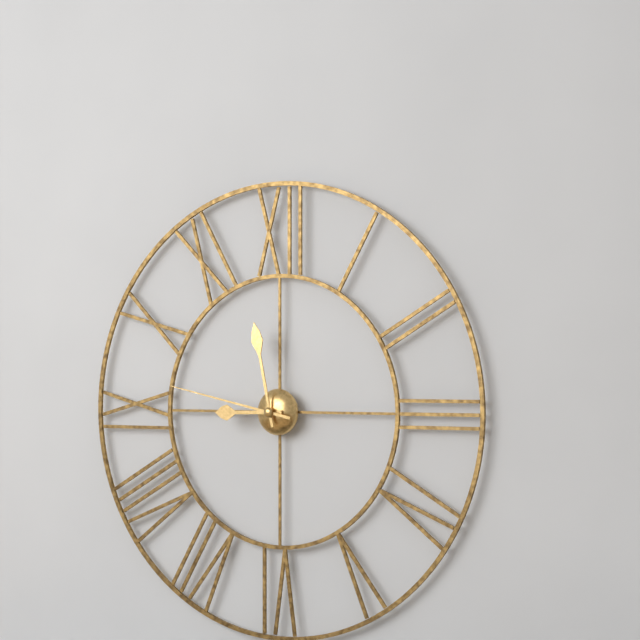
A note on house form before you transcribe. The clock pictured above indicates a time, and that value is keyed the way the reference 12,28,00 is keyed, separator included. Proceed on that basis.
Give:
8,58,47
